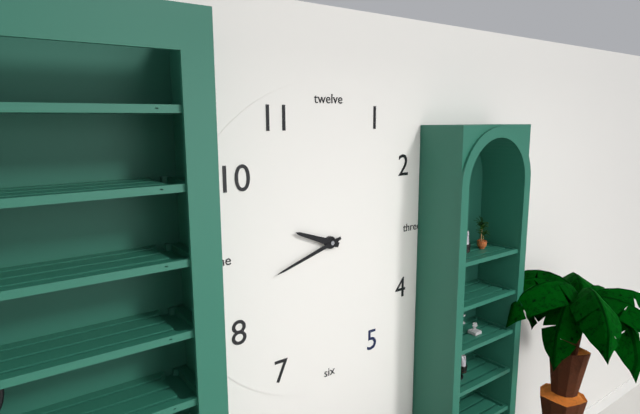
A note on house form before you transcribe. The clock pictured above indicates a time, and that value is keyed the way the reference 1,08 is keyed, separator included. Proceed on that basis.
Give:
9,42
